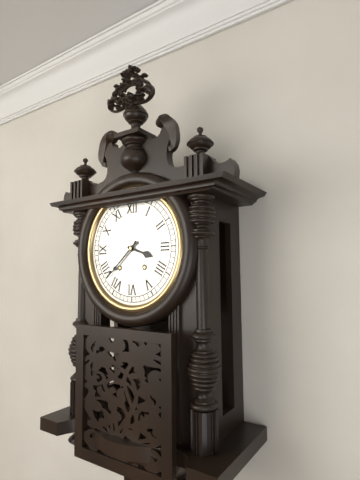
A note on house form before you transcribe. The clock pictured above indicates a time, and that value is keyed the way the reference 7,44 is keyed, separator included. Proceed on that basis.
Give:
3,38
